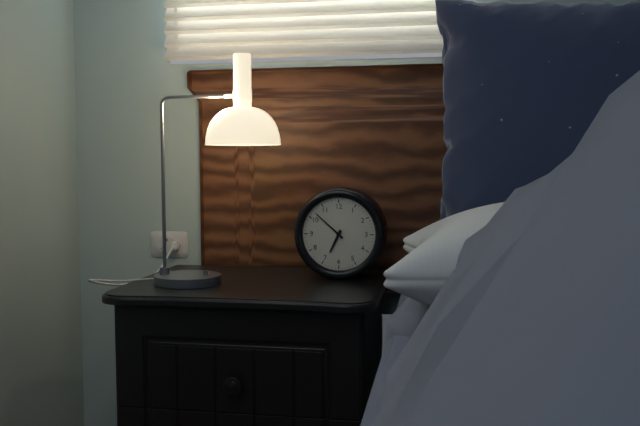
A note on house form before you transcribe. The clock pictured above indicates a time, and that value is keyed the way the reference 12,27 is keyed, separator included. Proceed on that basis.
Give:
6,52
